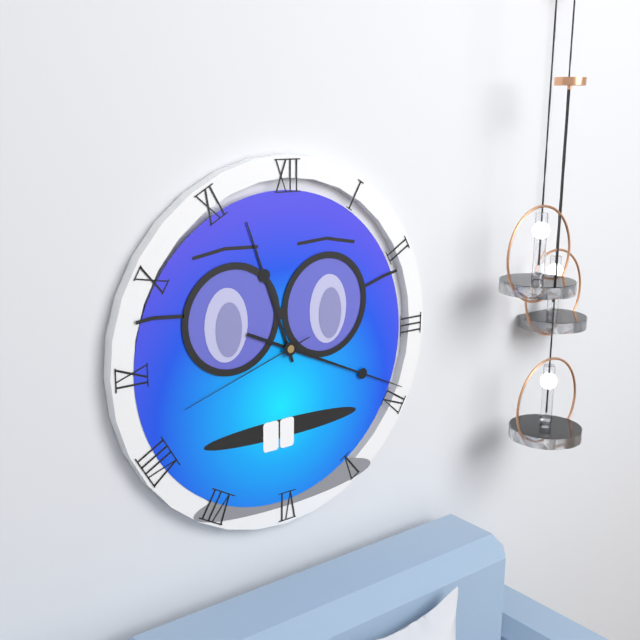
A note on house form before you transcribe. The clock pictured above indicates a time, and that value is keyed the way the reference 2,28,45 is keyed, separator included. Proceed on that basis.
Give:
11,19,42
